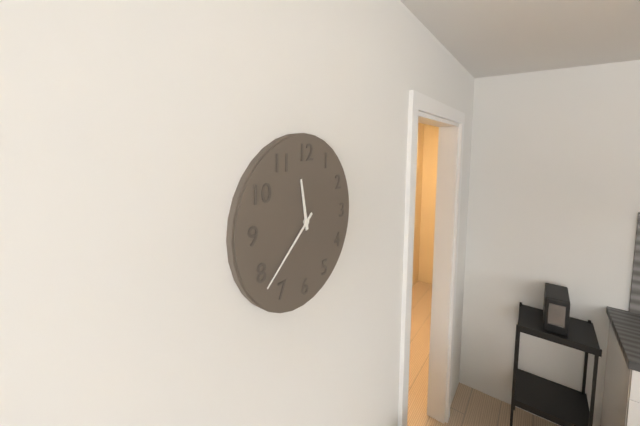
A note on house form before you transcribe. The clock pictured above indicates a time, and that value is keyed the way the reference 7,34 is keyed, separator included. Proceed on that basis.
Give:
11,38
